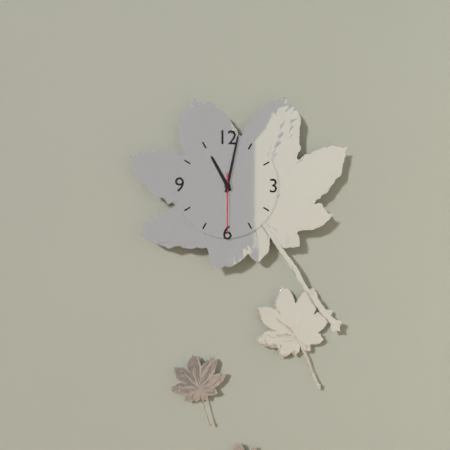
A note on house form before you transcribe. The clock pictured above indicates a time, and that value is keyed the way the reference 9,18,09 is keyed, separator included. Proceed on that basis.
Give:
11,02,30
